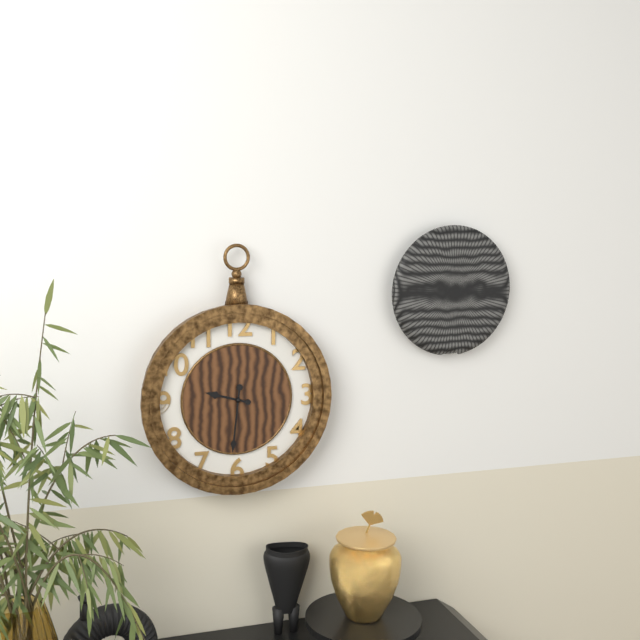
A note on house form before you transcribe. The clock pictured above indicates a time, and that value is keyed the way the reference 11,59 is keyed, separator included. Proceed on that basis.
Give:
9,31
